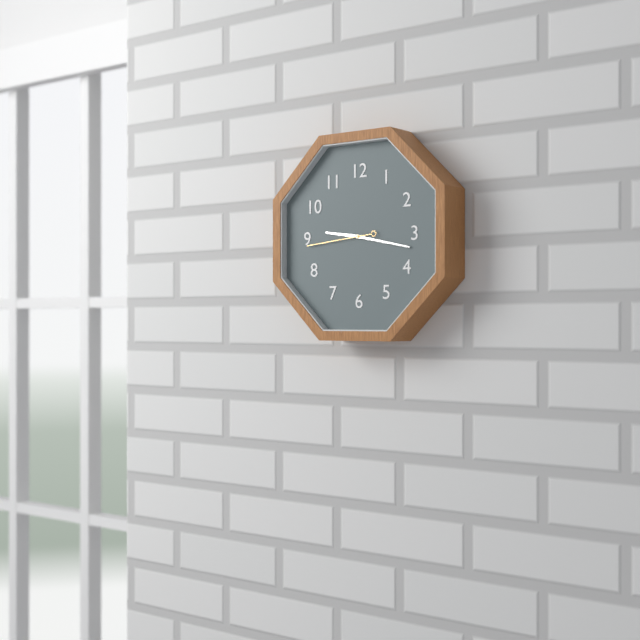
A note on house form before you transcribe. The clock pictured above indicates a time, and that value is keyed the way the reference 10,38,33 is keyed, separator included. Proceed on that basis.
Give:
9,17,44
